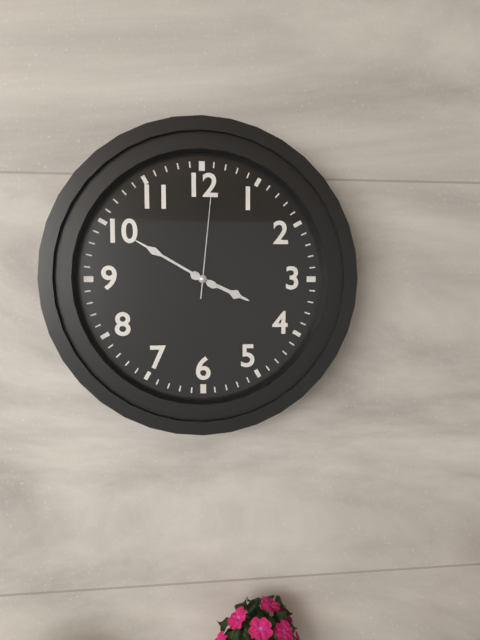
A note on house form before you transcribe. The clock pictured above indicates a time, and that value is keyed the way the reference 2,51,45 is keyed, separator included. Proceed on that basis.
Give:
3,50,01
